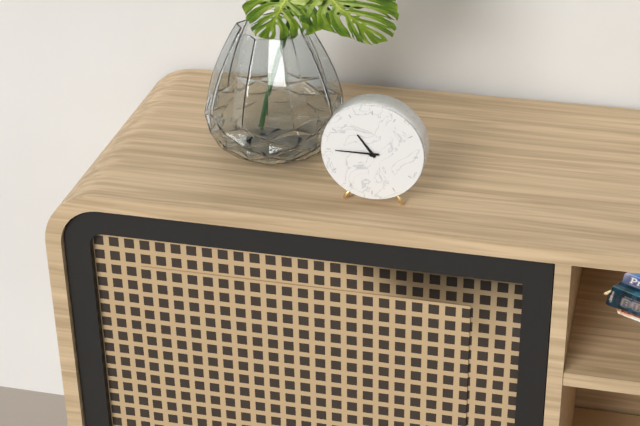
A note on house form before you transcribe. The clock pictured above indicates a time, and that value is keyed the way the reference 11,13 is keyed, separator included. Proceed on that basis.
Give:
10,45
